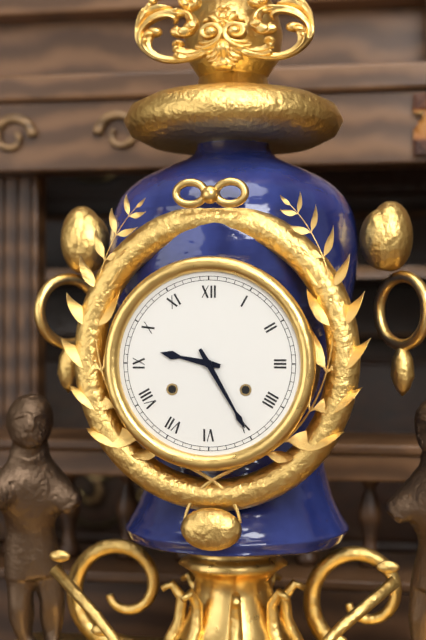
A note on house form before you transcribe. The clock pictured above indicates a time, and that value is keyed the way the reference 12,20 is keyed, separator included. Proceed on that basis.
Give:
9,25
